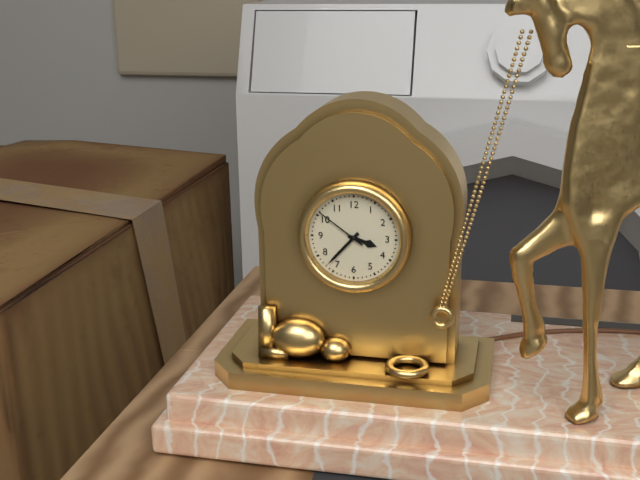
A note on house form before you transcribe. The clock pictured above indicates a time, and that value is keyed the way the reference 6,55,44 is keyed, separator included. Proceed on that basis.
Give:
3,37,51
